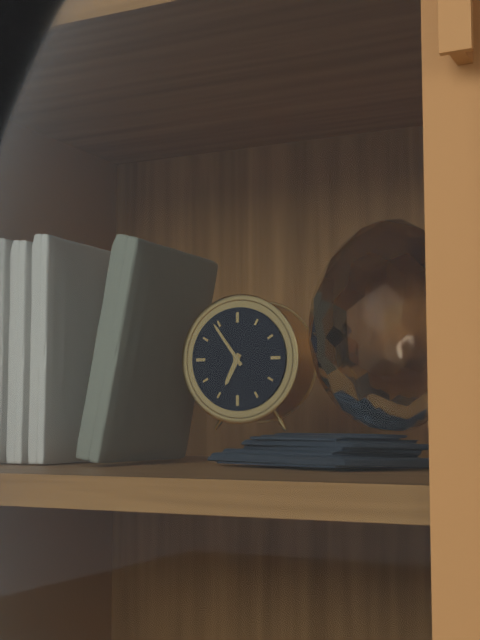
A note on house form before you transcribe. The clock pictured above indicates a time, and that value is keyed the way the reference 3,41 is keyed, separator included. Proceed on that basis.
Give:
6,54
